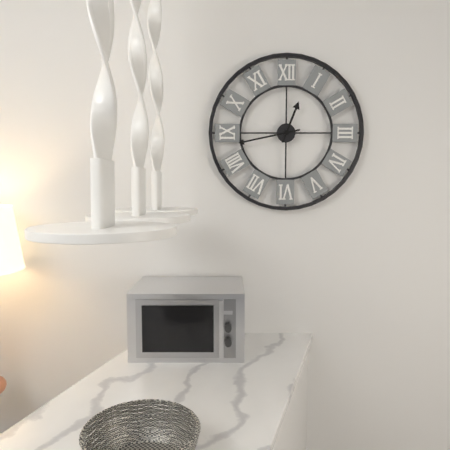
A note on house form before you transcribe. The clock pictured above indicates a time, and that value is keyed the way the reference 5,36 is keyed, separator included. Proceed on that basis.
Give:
12,43
